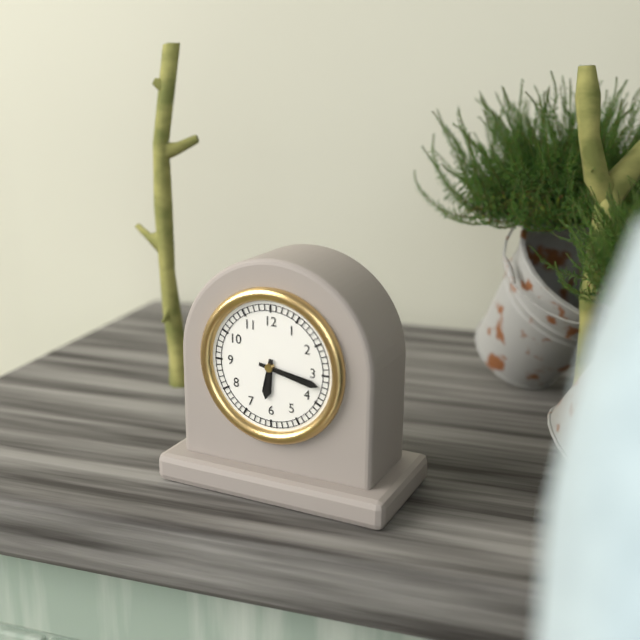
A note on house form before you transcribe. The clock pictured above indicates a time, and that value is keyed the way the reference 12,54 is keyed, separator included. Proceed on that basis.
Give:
6,17
